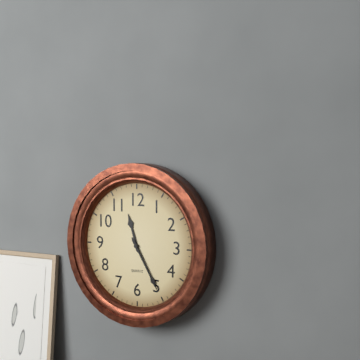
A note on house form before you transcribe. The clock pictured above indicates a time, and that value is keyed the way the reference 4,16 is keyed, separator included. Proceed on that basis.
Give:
11,25
